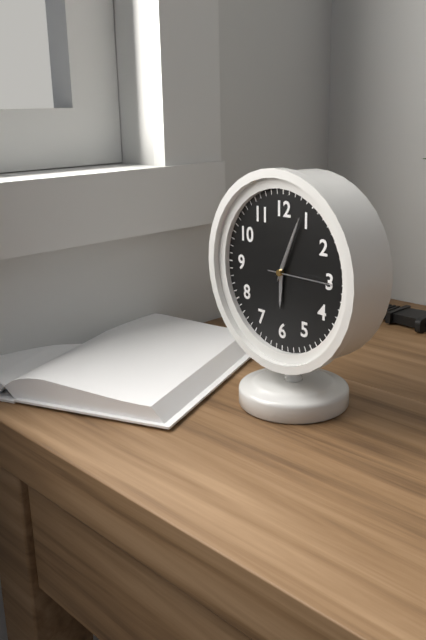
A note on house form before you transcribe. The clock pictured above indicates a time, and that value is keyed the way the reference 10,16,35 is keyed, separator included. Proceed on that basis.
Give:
6,04,15
